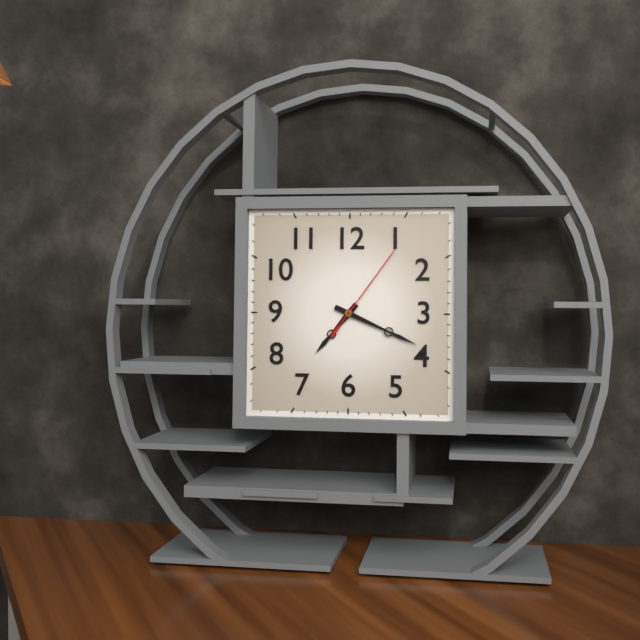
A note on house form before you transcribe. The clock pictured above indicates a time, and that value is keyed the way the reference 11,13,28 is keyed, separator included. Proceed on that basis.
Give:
7,19,06
